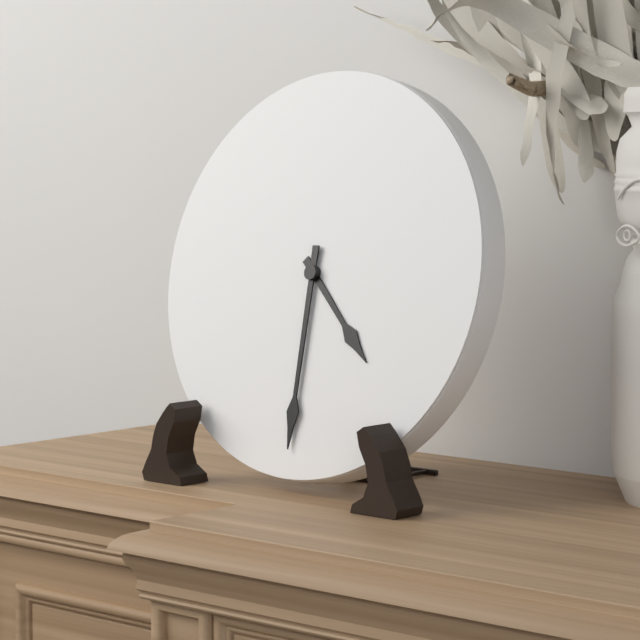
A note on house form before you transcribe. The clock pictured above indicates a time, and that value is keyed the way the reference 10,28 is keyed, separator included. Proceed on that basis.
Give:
4,30
